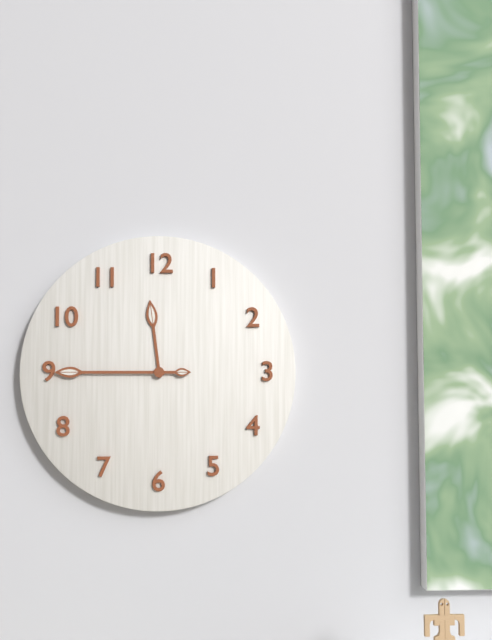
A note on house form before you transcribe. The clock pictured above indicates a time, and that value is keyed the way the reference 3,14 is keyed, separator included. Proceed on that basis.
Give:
11,45
